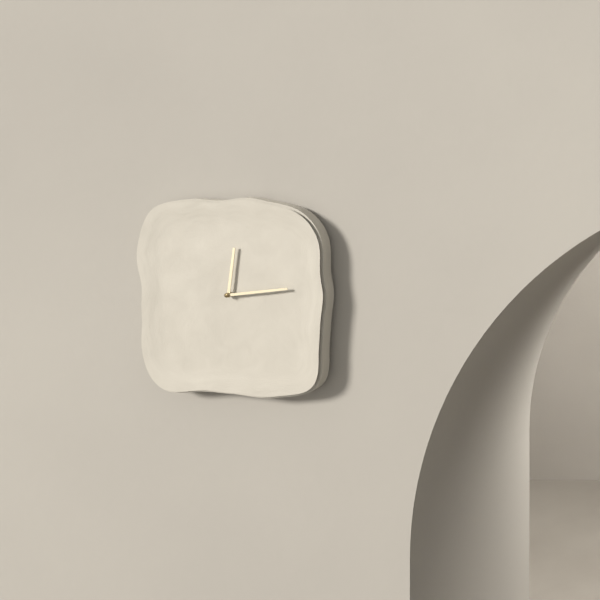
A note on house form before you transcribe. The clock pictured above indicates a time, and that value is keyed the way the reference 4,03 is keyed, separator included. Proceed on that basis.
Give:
12,14
